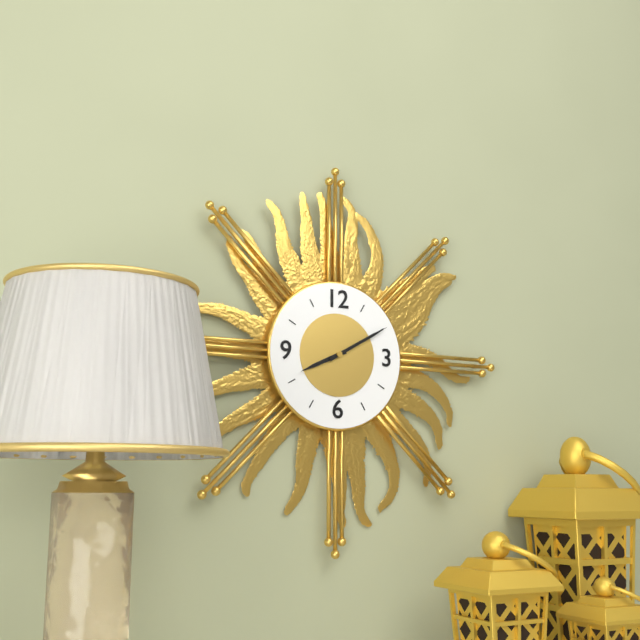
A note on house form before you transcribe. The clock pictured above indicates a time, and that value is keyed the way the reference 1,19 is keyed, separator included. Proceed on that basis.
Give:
8,10
